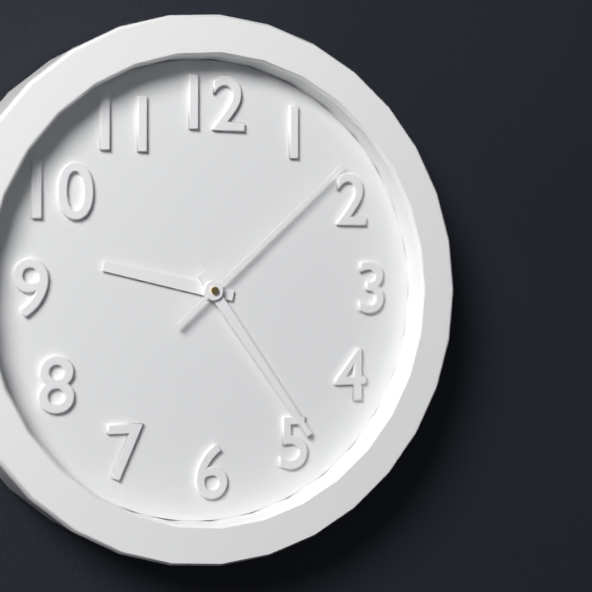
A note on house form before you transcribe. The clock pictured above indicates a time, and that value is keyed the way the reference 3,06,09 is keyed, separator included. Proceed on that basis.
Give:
9,24,08
